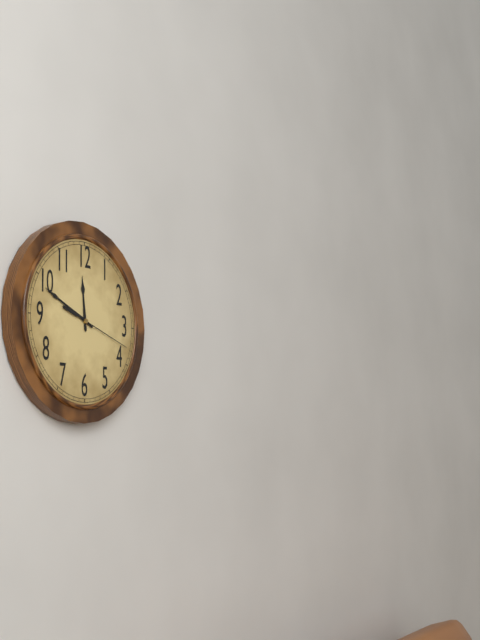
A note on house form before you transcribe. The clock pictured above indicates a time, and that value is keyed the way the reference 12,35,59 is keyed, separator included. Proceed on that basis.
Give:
11,49,18
